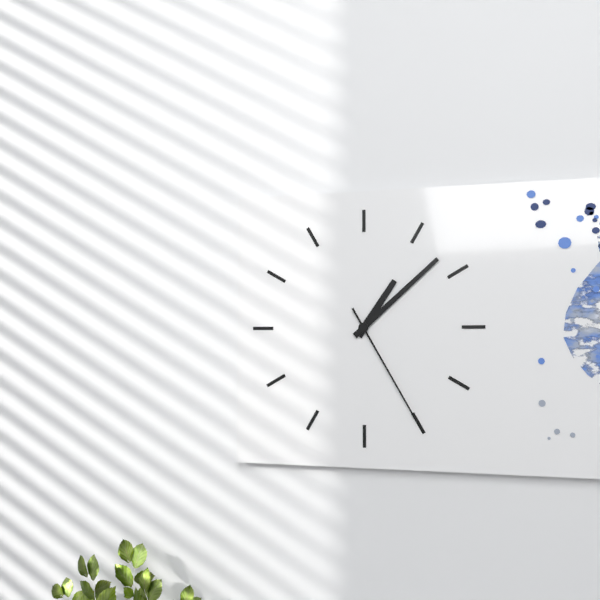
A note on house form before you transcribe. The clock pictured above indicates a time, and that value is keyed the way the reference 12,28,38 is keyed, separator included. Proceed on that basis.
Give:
1,08,25
